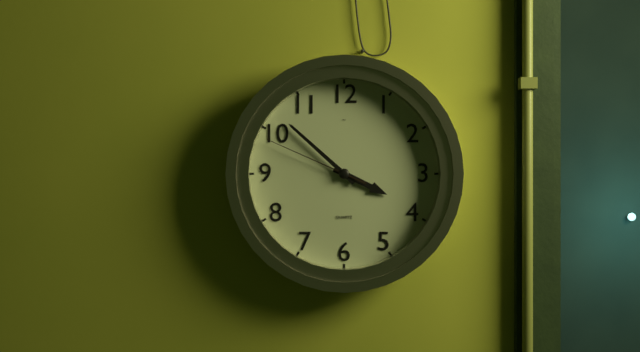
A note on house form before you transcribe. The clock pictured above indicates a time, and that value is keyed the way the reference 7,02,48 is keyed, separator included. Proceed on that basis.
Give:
3,52,49
